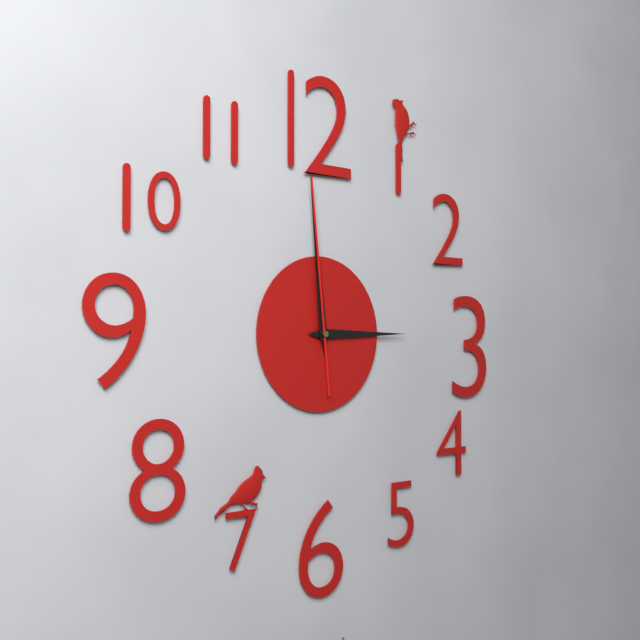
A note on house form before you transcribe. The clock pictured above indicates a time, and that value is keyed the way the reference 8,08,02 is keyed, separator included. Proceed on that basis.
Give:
2,59,59
